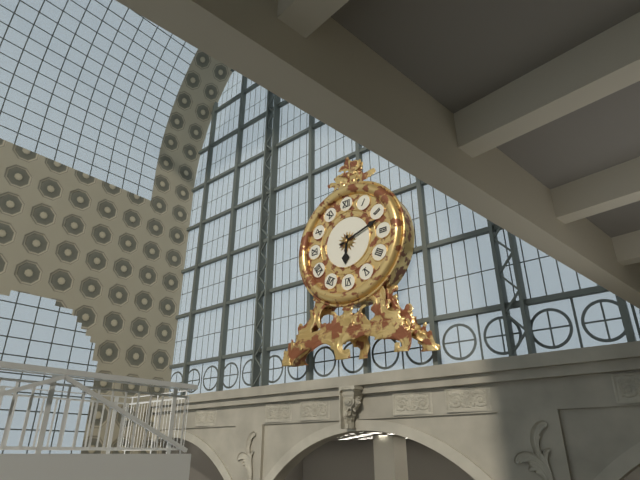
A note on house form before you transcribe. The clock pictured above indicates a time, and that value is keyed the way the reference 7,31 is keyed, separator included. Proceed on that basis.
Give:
6,12
